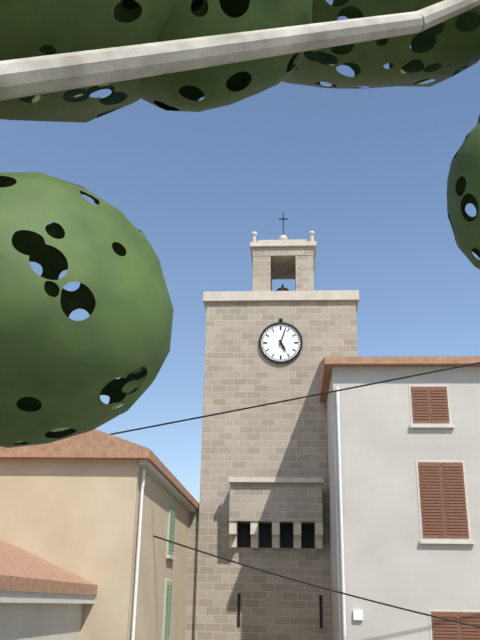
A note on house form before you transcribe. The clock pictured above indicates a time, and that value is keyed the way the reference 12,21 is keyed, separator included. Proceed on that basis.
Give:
5,03
